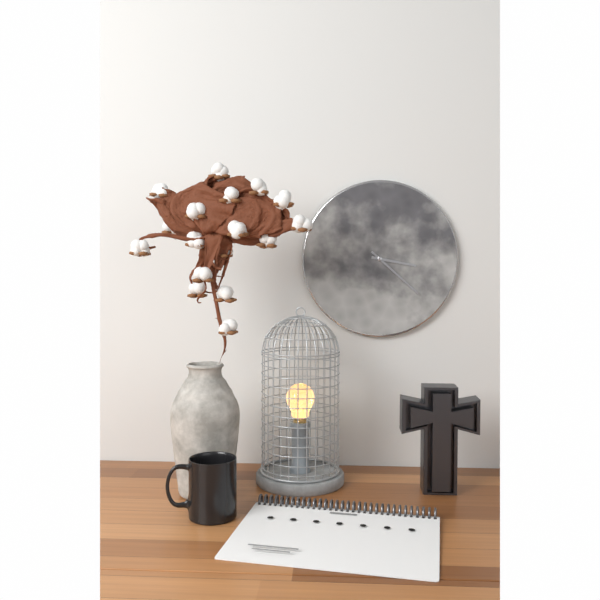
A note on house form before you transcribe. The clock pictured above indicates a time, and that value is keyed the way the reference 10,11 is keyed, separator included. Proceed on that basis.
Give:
3,22
